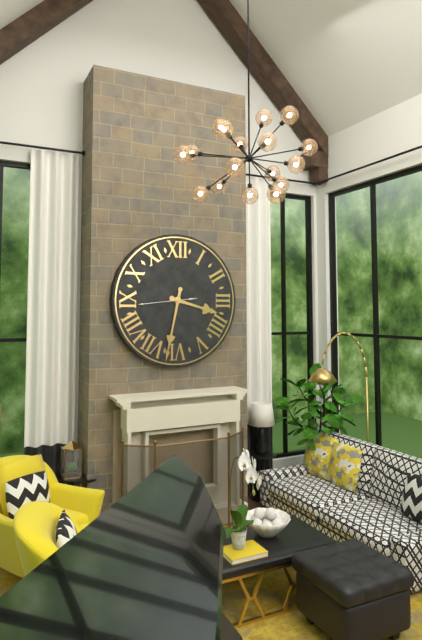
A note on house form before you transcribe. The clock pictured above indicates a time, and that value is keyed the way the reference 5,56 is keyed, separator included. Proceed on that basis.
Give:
3,32
